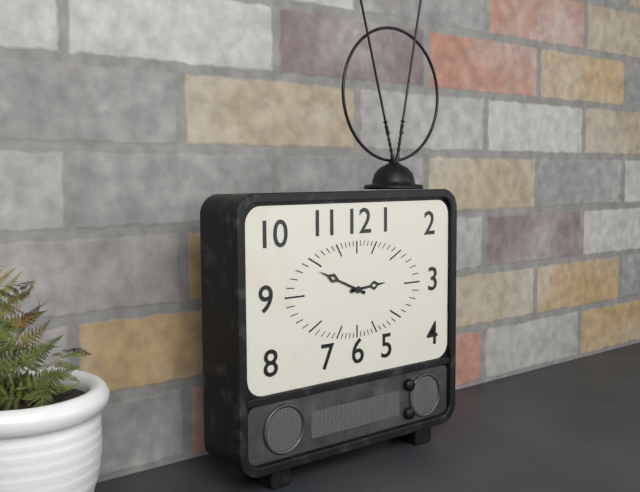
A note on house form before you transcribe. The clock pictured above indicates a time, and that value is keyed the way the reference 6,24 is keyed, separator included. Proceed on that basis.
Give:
2,49
